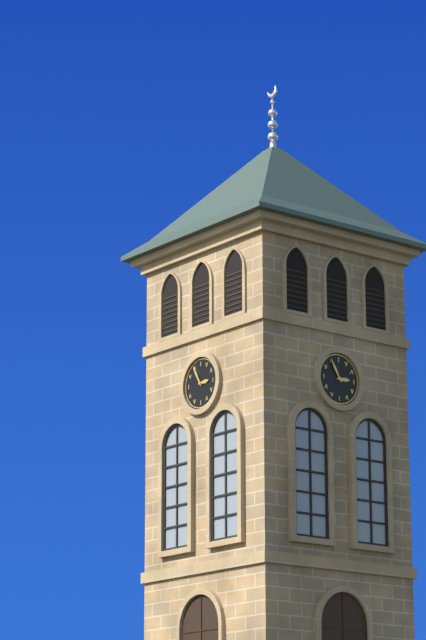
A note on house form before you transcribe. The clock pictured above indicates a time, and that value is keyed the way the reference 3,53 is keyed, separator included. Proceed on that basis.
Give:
2,55
